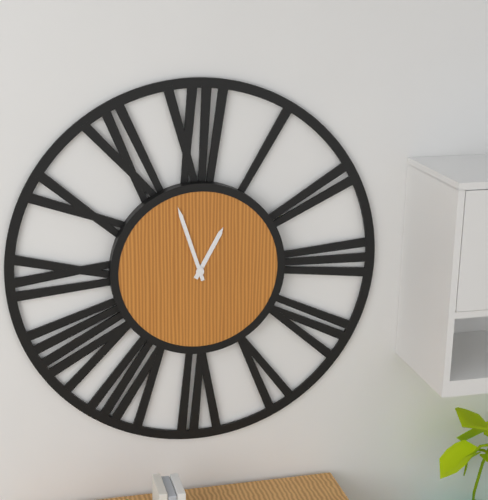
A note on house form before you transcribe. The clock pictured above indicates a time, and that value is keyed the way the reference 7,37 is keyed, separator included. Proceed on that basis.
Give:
12,57
